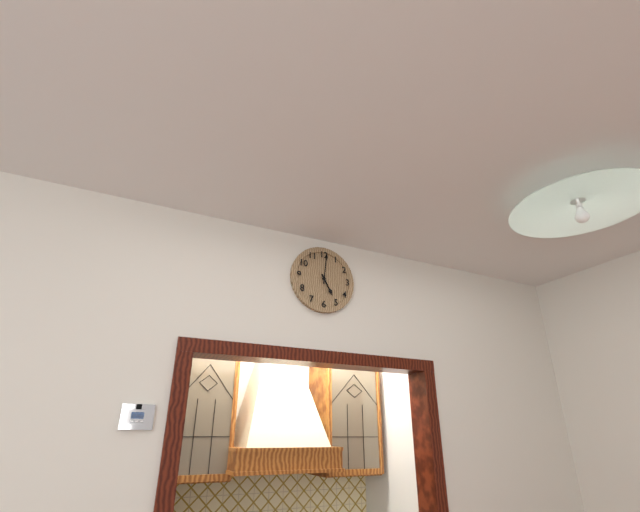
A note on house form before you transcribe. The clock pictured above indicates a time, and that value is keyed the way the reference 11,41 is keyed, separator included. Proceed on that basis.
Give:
5,01
